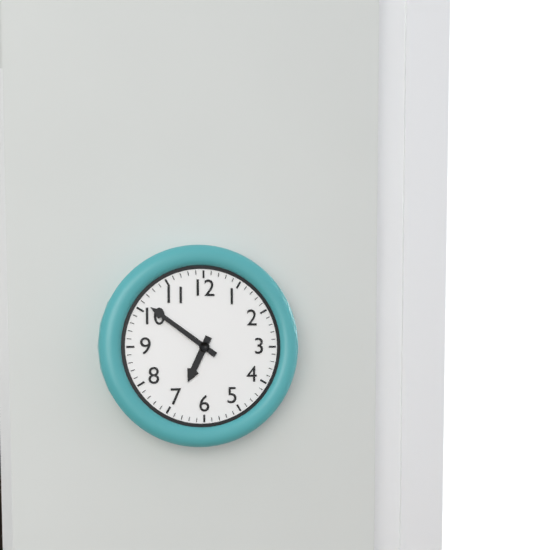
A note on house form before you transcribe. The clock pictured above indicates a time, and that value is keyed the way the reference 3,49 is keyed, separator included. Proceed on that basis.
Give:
6,51
